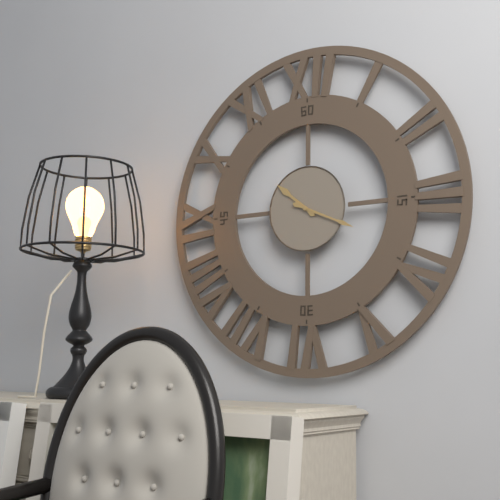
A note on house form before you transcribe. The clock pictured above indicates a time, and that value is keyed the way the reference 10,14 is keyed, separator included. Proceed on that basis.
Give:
10,19
